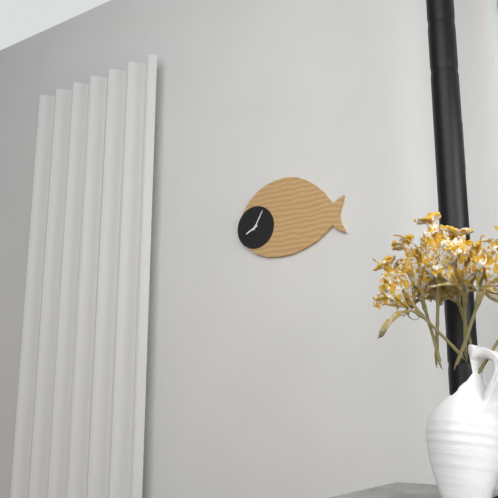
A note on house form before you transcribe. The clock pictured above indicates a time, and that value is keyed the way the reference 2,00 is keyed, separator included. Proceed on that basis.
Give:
8,05
